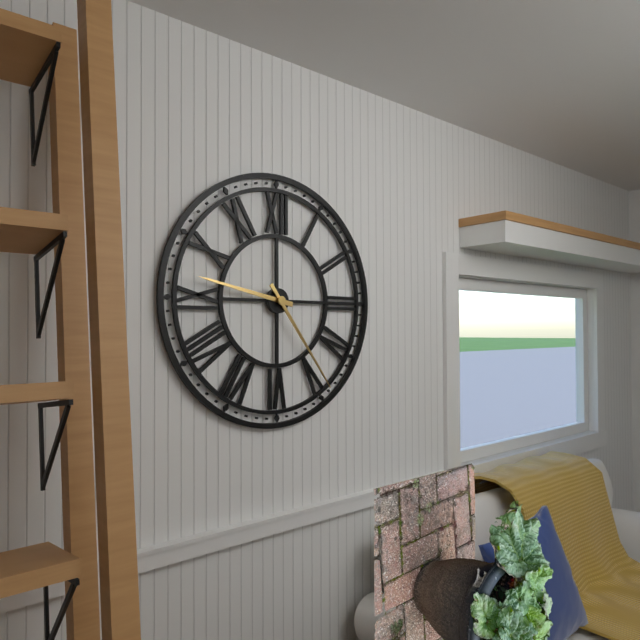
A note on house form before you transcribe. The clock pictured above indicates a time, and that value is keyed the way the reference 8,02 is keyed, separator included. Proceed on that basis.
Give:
9,24
